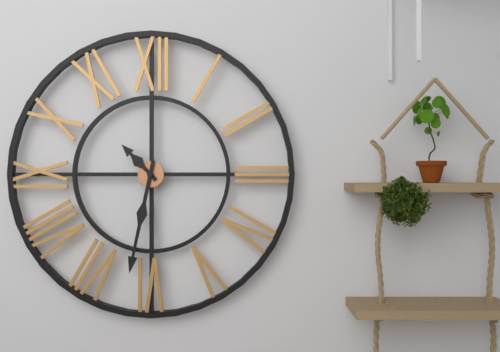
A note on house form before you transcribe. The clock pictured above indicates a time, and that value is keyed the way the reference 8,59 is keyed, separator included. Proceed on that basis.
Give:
10,32
